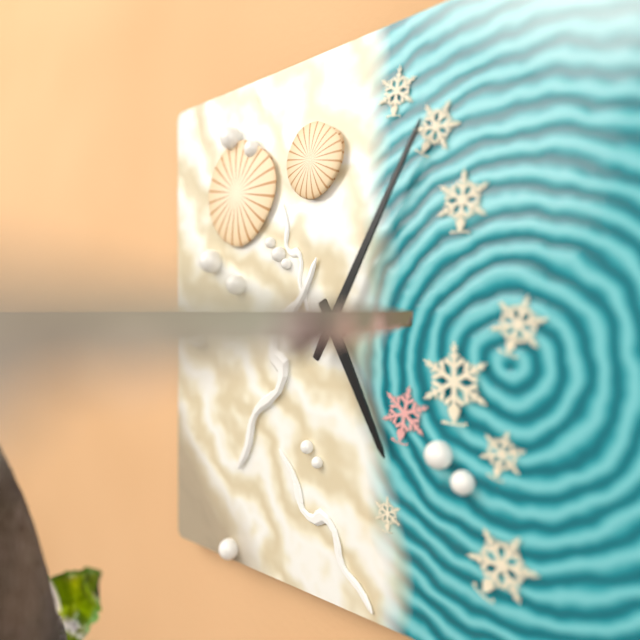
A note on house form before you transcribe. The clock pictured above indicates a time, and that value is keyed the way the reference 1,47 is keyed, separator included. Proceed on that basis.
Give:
5,05
